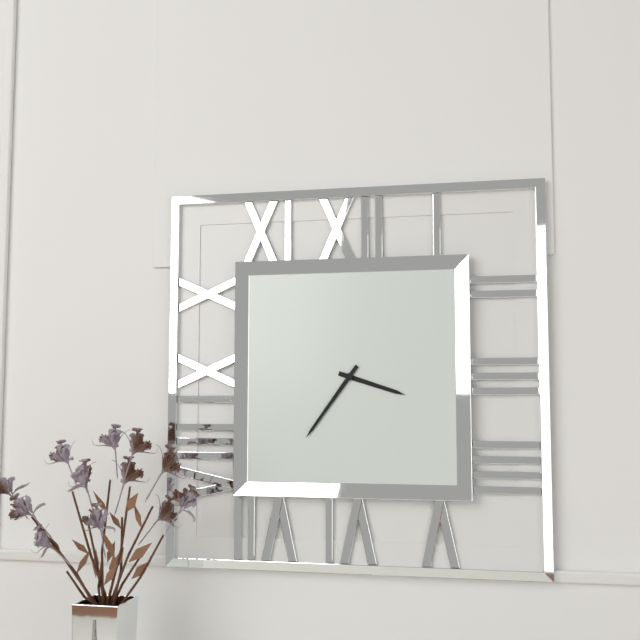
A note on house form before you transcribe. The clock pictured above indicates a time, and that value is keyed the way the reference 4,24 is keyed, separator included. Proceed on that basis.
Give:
3,36
